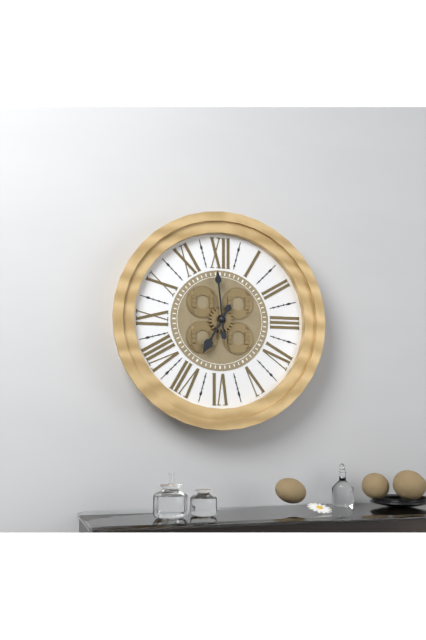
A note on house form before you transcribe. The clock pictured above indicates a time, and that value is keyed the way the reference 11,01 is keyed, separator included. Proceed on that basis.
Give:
6,59
